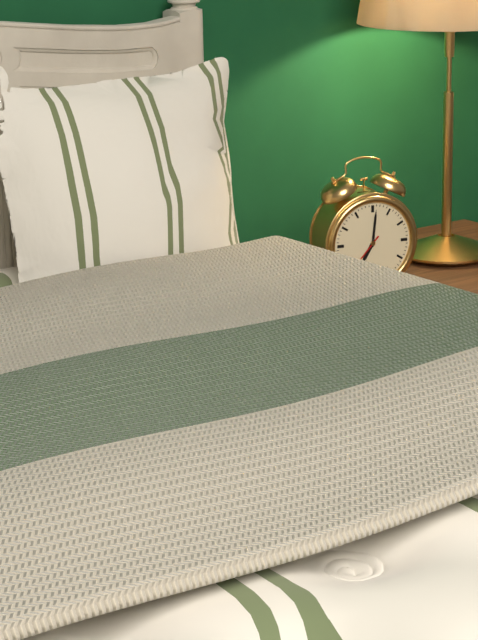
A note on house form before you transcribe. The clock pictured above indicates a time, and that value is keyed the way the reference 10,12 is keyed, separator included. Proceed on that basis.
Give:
7,01
